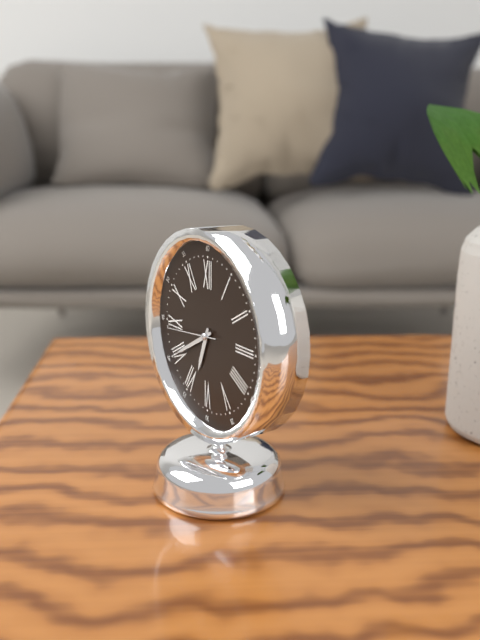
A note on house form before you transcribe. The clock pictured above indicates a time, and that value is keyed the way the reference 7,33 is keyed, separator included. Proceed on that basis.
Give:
6,40
